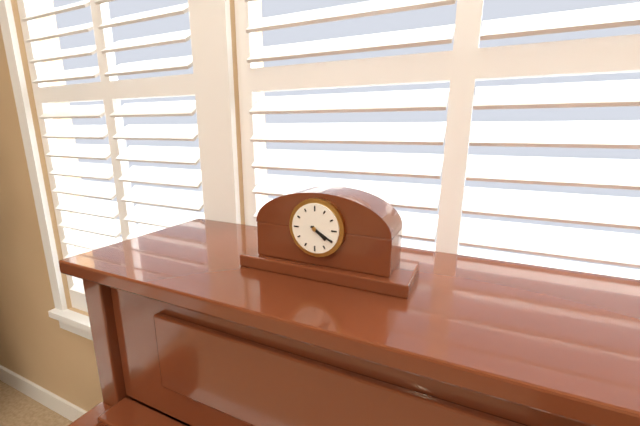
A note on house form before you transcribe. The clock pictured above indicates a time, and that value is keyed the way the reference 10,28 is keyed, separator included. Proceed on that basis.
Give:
4,20
